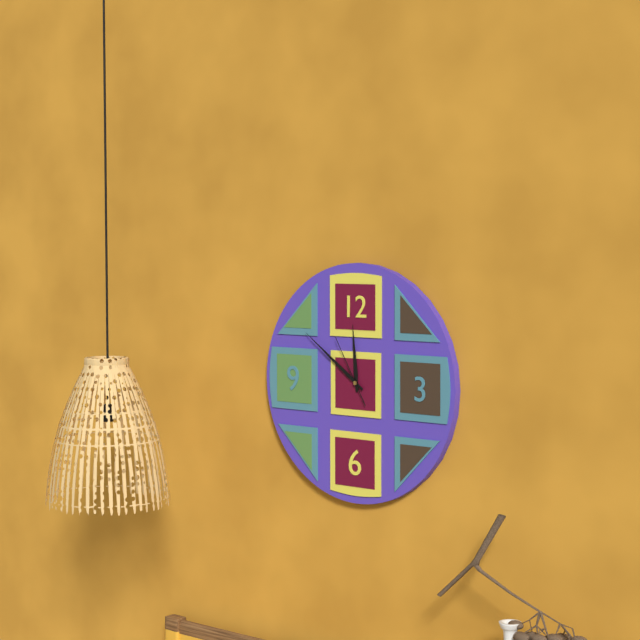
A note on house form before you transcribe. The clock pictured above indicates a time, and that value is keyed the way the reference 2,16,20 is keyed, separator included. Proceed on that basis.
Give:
11,51,55
